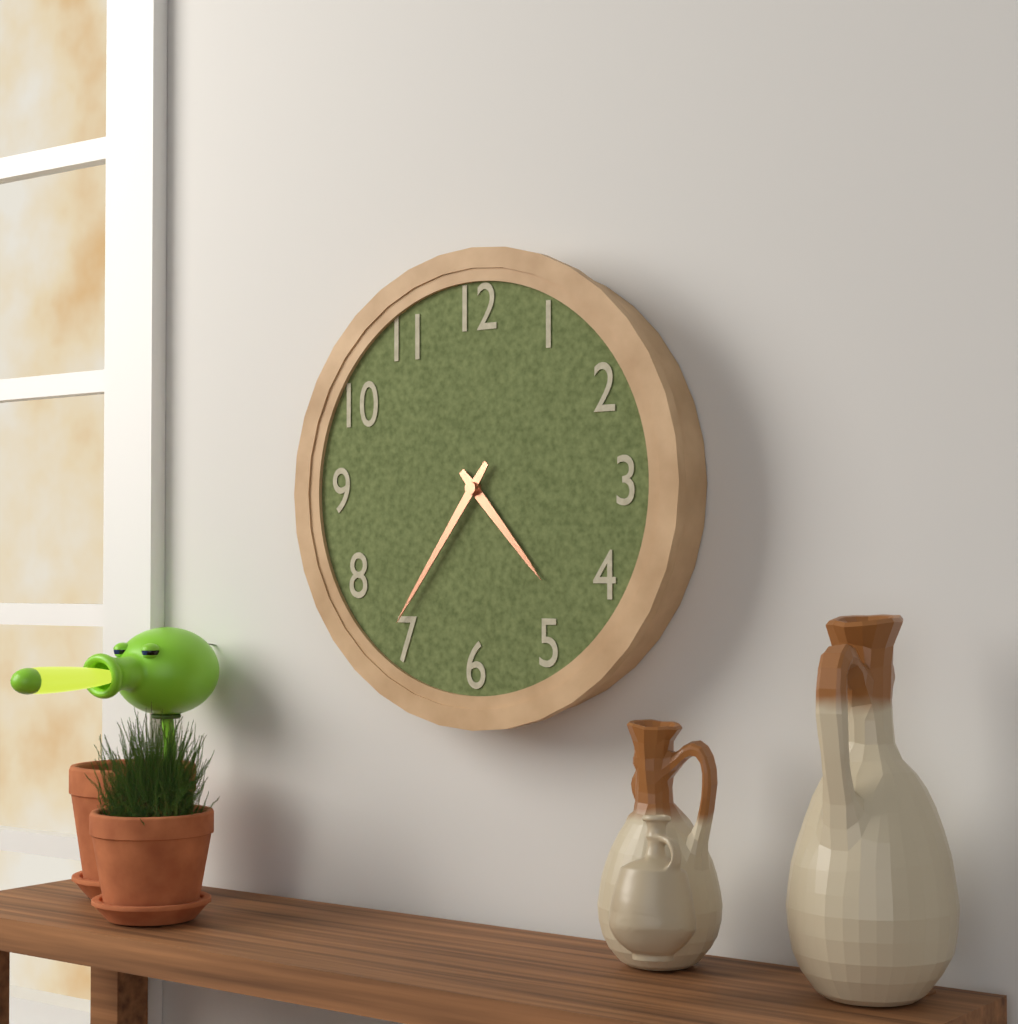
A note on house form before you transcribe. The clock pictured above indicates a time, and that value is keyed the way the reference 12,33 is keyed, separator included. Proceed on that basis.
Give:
4,36
